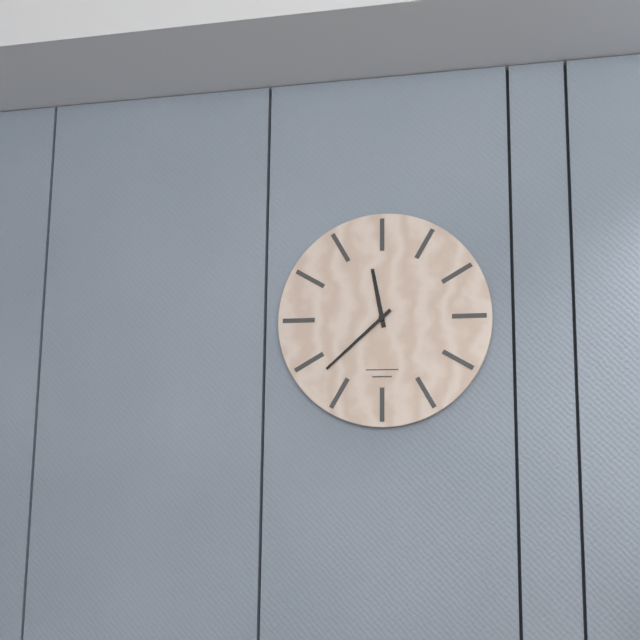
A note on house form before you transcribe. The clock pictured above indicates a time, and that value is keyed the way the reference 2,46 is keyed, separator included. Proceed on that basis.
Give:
11,38
